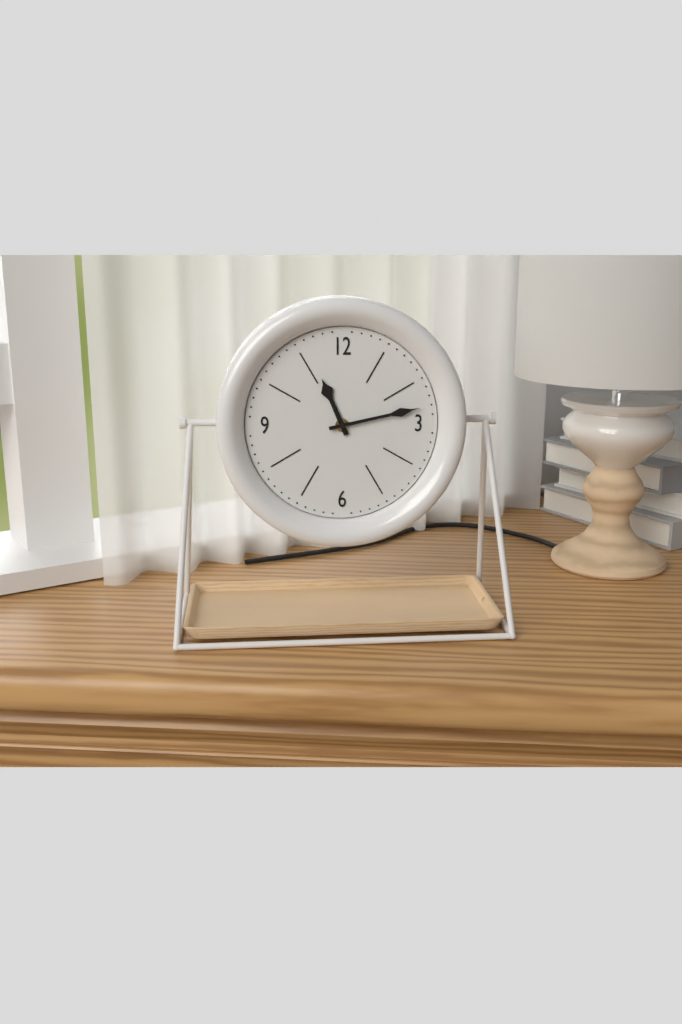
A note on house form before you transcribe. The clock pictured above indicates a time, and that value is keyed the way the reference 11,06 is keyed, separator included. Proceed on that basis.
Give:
11,13
